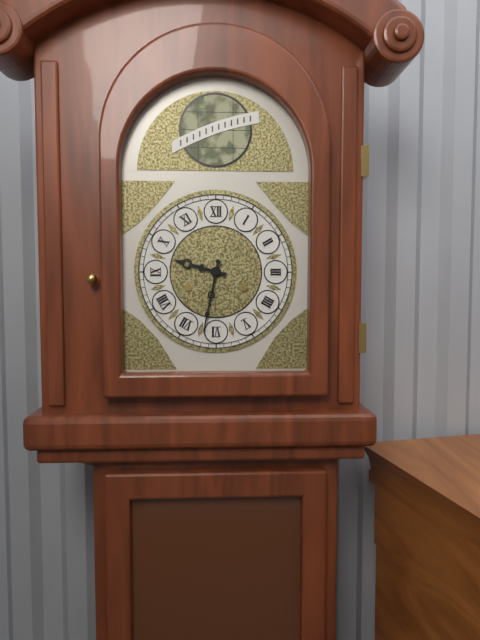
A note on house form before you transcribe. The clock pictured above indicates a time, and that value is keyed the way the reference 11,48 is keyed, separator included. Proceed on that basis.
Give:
9,32
